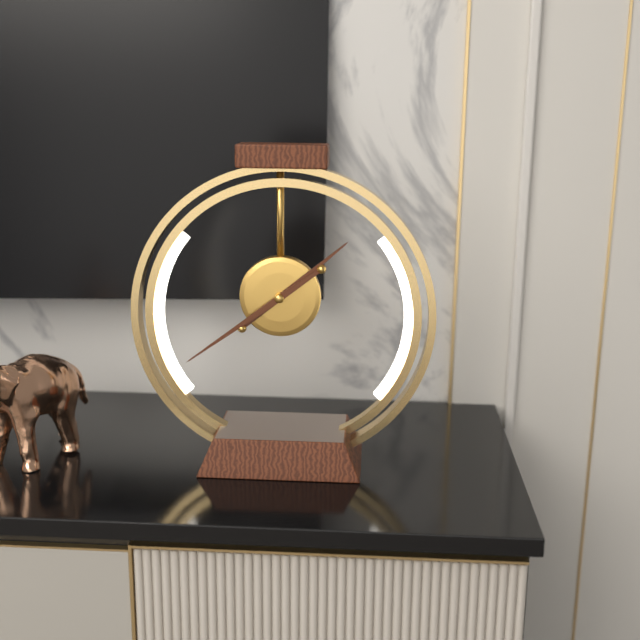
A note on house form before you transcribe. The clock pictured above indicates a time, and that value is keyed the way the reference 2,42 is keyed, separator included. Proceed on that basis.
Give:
1,39
